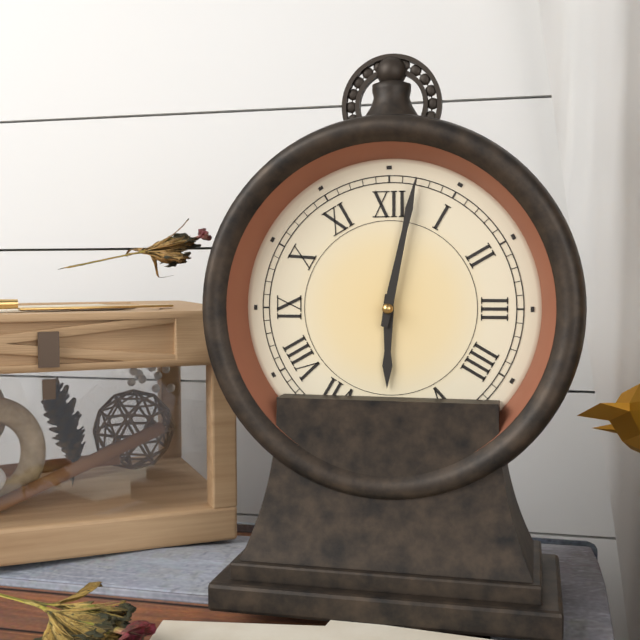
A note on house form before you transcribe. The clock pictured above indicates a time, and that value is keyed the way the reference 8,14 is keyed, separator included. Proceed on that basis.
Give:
6,02
